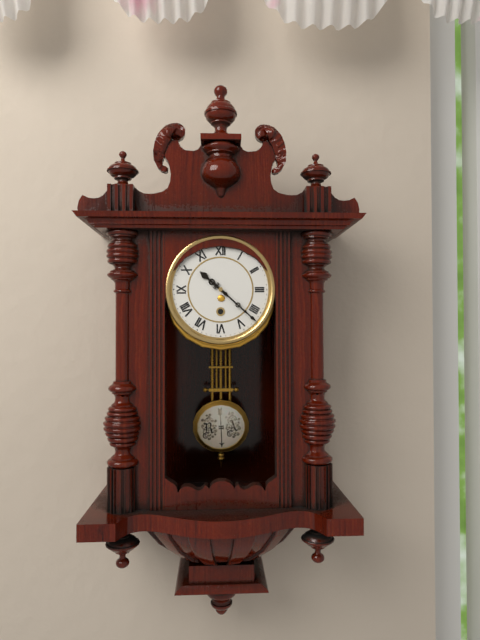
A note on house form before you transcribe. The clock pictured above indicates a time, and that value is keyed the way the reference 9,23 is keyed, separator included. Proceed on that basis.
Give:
10,22
